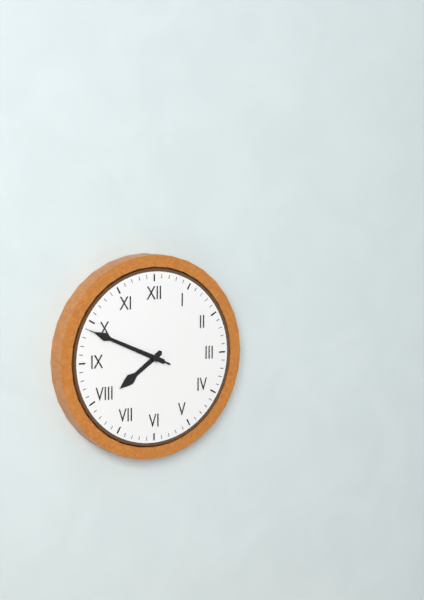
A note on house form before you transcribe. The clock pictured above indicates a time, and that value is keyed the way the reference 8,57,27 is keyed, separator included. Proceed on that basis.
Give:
7,49,49
